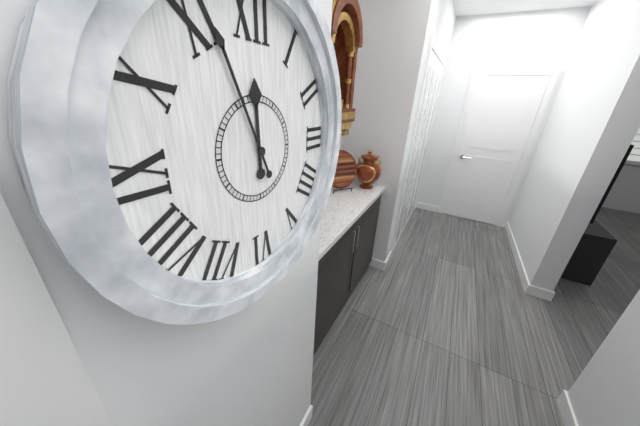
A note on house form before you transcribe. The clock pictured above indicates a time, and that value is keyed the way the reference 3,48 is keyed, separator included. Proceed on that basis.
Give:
11,56
